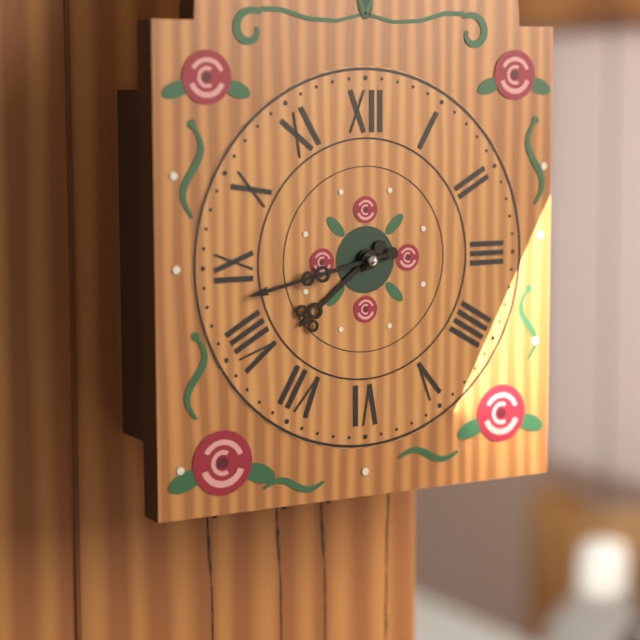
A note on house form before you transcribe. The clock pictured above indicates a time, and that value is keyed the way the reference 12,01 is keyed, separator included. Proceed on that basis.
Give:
7,43
